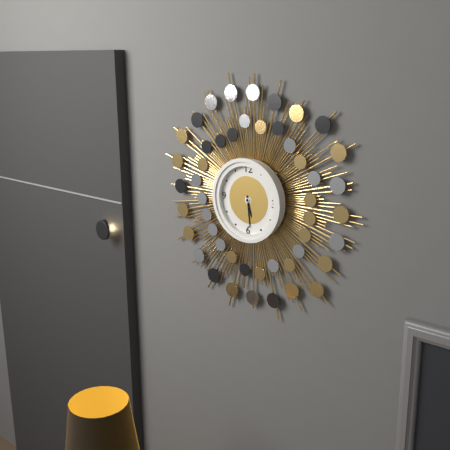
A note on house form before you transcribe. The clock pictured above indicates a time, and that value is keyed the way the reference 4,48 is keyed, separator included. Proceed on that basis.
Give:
5,29
